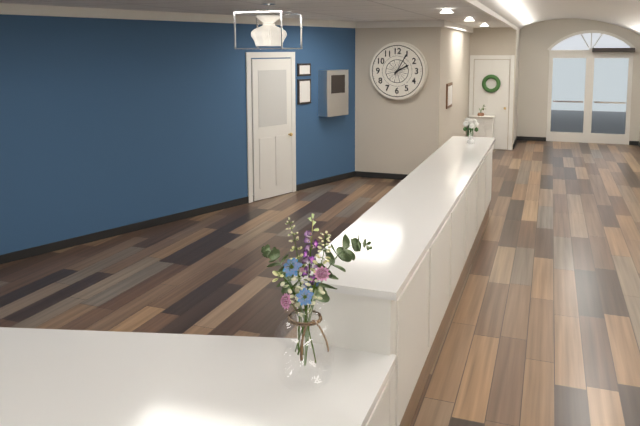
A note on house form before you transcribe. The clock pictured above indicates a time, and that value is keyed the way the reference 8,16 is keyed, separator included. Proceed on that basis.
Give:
2,05
